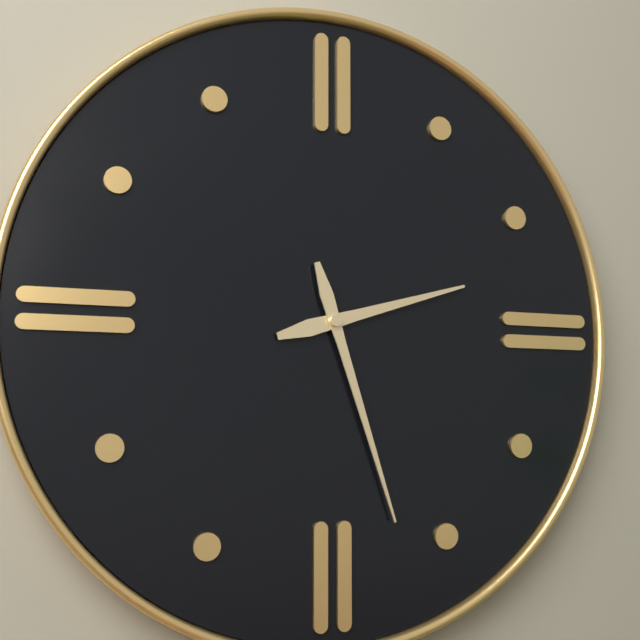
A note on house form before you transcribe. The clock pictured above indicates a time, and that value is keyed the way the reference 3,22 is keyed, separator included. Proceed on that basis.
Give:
2,27
